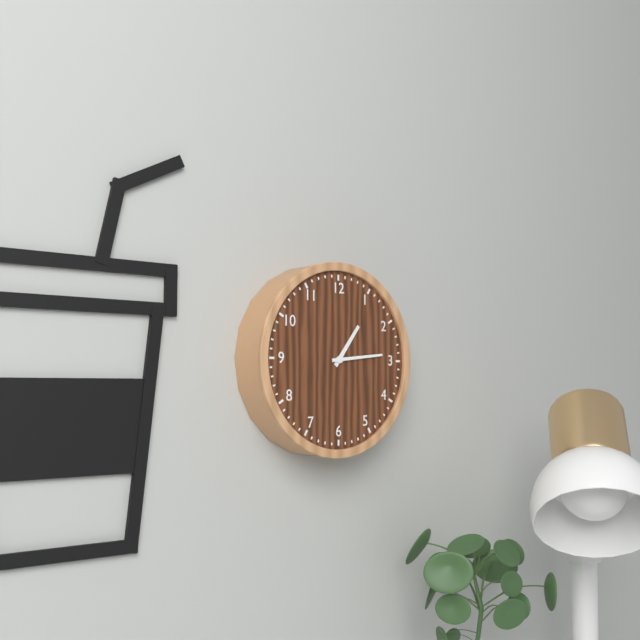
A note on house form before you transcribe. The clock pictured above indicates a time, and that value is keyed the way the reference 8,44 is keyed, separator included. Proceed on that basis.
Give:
1,14
